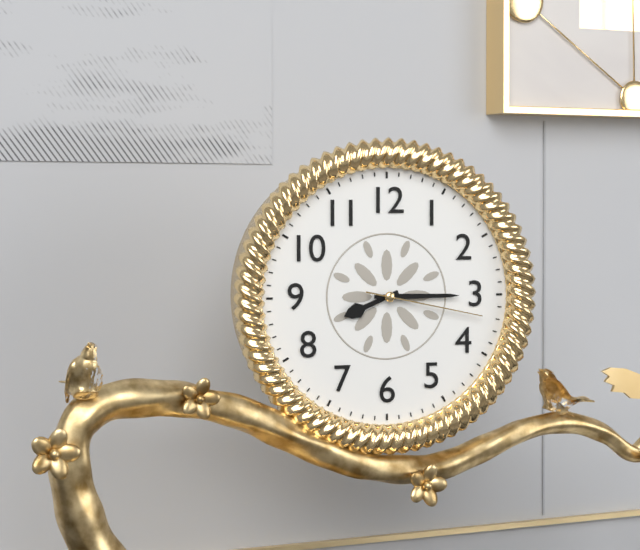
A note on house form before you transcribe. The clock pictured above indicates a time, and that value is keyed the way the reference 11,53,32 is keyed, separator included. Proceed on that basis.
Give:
8,15,17
